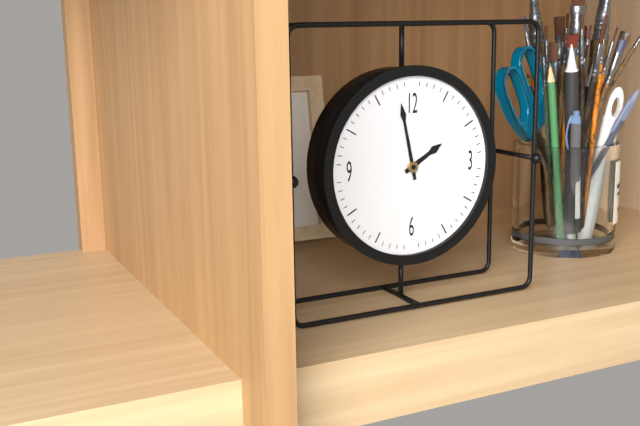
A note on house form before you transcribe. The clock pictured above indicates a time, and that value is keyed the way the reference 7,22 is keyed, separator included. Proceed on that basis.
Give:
1,58
